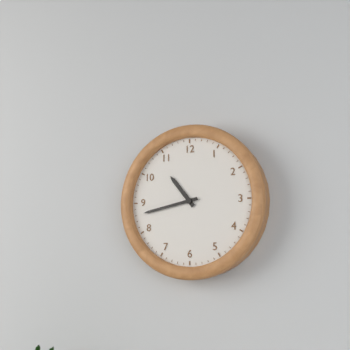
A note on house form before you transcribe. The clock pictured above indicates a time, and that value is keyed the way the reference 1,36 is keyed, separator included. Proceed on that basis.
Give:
10,43
